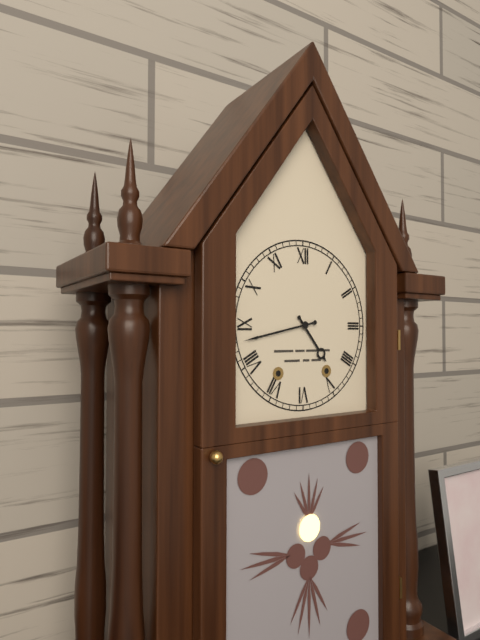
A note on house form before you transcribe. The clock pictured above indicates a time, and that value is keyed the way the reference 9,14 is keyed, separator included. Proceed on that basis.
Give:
4,43
